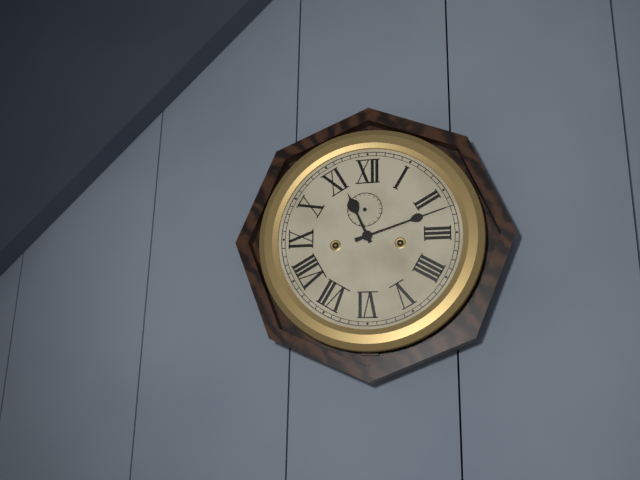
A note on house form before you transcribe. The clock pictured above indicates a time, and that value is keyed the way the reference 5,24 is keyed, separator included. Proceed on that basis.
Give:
11,12
